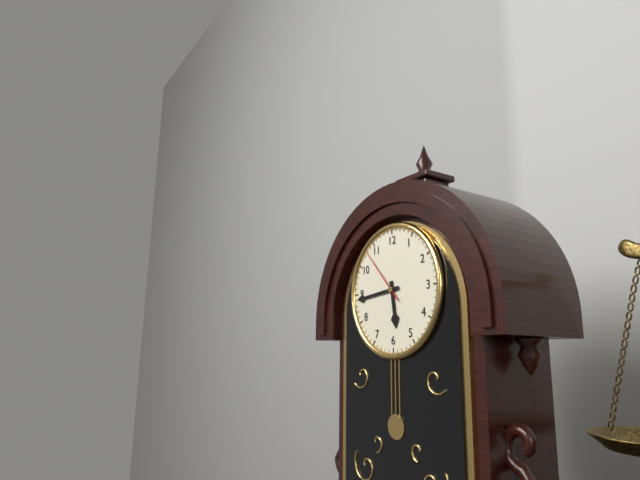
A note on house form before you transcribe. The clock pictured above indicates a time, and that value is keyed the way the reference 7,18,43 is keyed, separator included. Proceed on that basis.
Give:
5,44,53
